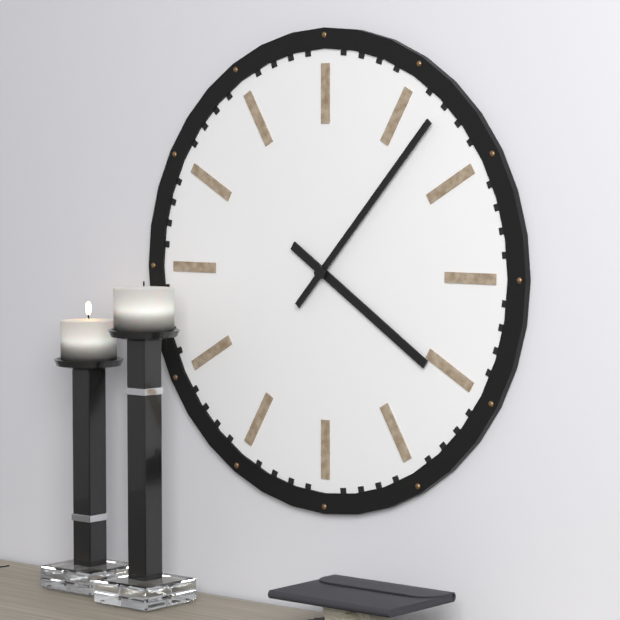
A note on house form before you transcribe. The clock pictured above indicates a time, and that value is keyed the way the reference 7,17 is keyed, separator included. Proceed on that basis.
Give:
4,07
